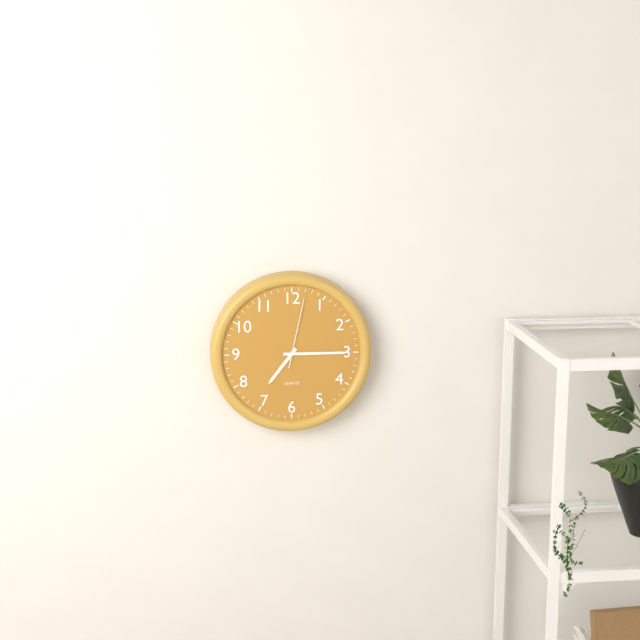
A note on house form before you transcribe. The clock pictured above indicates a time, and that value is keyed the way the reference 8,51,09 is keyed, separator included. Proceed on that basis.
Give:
7,15,02
